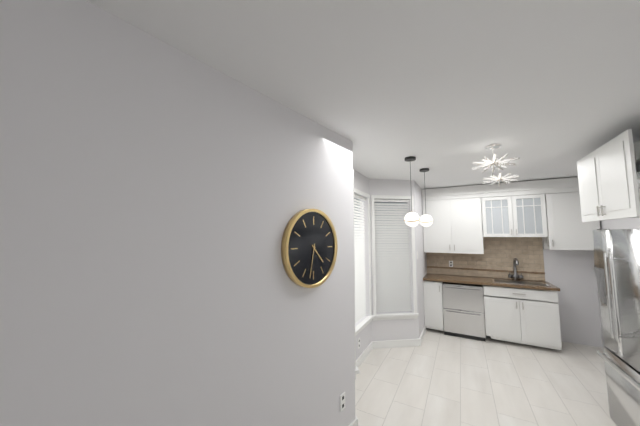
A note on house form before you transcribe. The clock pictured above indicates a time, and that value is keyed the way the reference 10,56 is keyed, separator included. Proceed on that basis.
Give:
4,32
